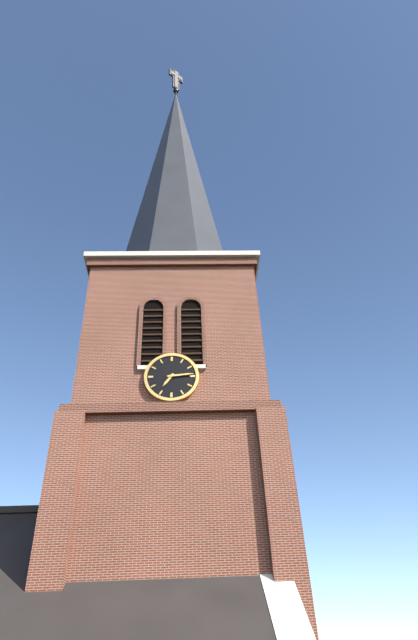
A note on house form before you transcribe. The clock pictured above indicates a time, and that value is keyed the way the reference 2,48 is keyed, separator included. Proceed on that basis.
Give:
7,14
